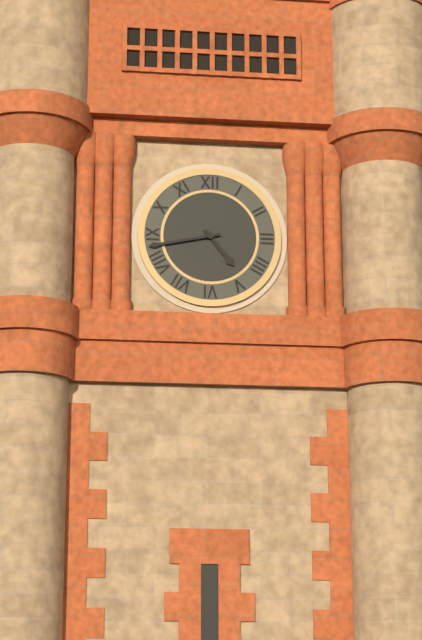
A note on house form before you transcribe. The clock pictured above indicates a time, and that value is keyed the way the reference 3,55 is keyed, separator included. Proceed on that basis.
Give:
4,43
